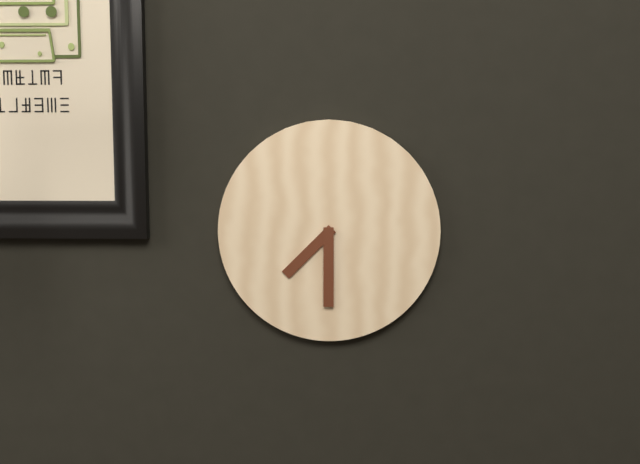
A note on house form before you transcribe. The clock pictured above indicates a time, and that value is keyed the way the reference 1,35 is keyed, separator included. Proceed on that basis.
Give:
7,30
